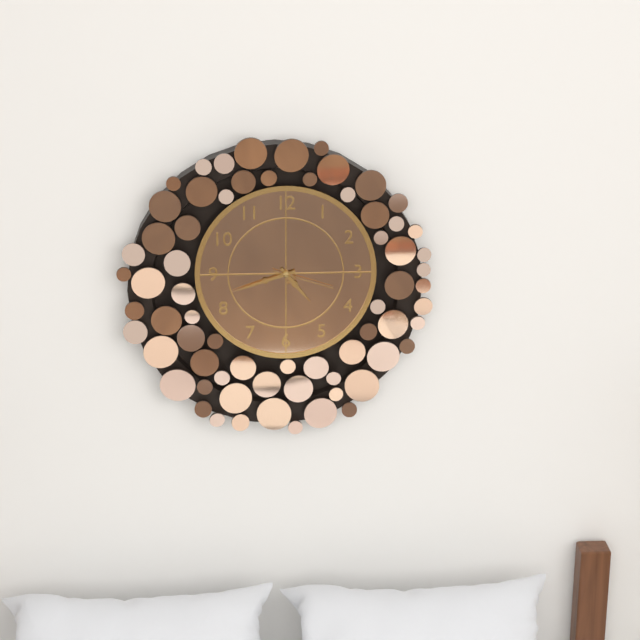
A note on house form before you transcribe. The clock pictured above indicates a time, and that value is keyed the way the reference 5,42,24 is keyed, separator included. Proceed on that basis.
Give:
4,42,18
